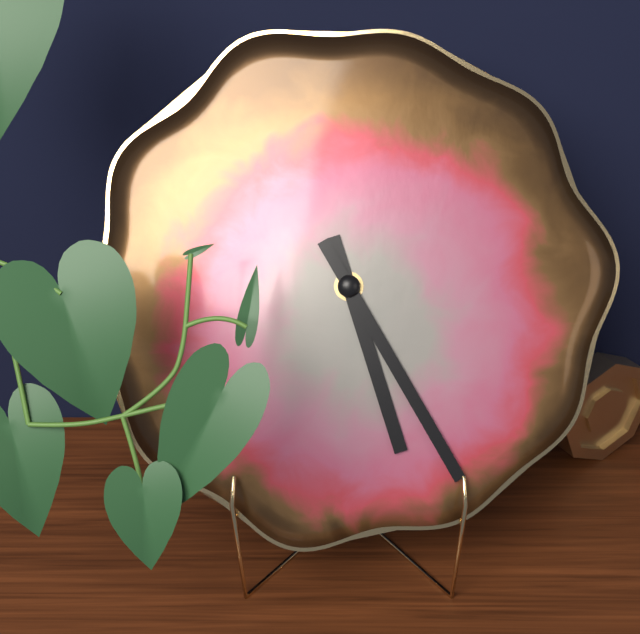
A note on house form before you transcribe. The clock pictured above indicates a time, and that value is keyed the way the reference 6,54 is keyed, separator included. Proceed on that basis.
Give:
5,25
